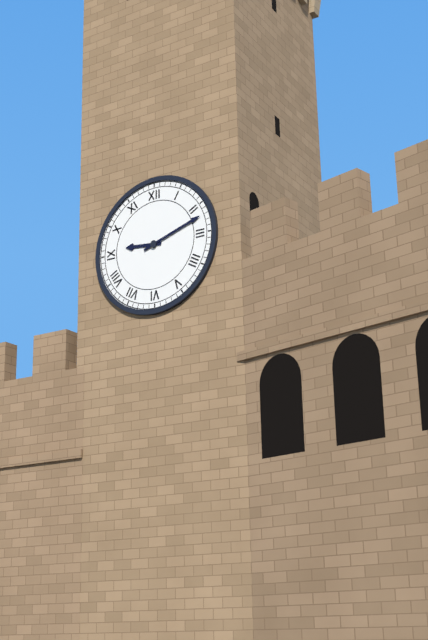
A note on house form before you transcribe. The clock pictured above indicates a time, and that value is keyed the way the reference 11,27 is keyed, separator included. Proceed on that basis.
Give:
9,12
